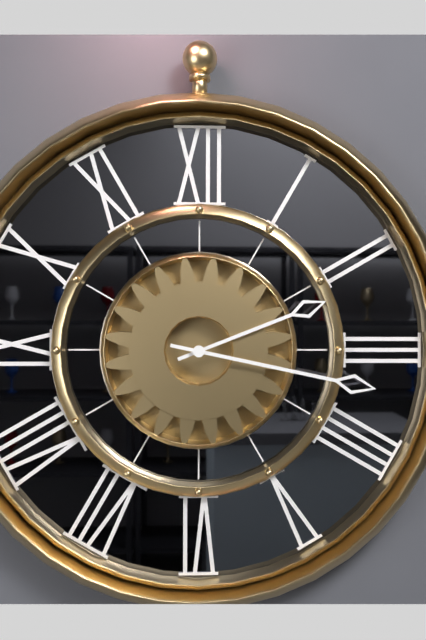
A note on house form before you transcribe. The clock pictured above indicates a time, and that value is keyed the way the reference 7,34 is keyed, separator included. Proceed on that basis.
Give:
2,17
